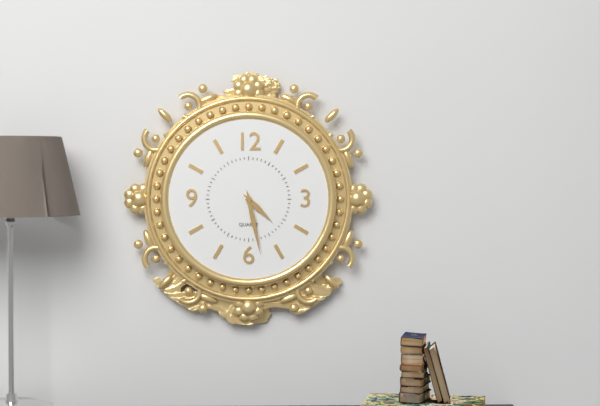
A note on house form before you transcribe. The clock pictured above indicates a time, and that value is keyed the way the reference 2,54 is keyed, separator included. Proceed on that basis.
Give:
4,28
